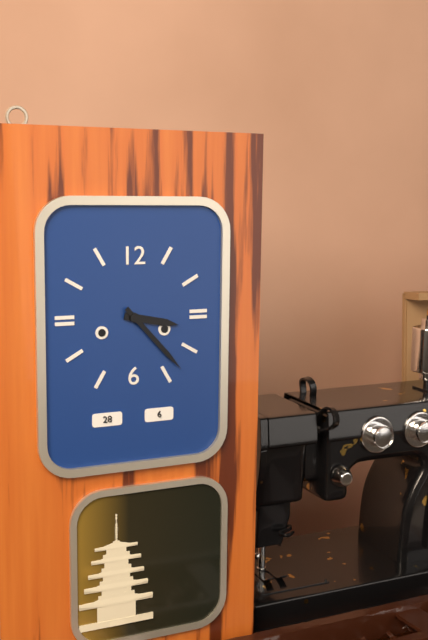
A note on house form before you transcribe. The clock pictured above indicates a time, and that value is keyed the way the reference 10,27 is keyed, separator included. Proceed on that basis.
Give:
3,23
